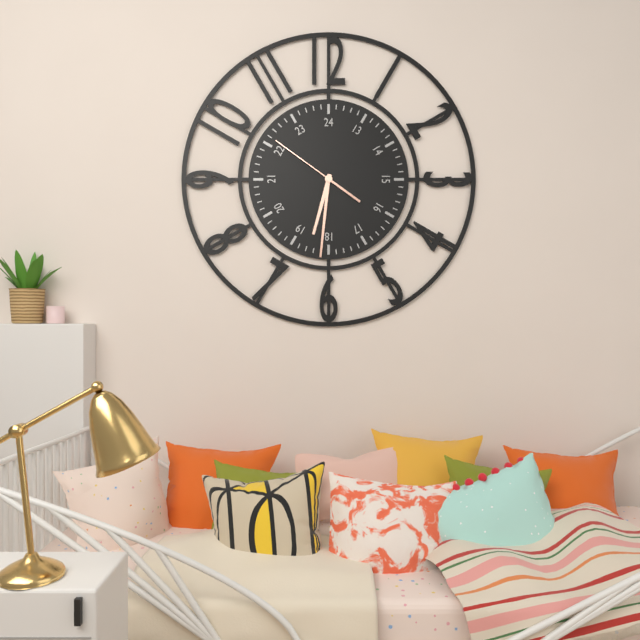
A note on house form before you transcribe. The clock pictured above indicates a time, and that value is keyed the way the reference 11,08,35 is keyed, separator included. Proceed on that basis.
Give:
6,31,51
